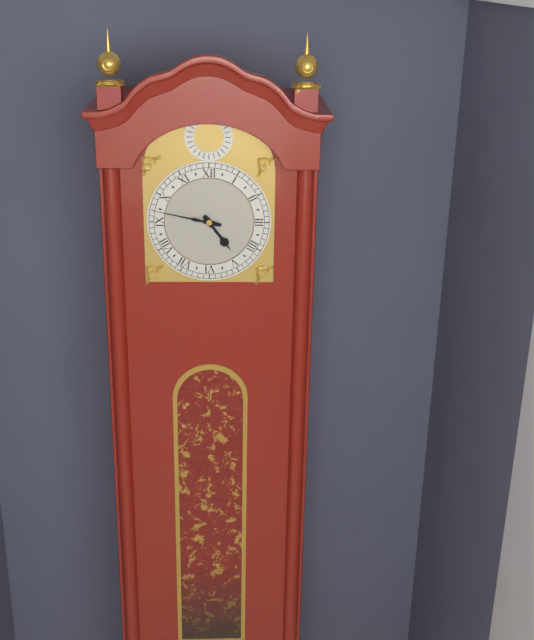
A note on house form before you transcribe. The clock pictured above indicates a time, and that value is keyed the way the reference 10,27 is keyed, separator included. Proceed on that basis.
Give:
4,47
